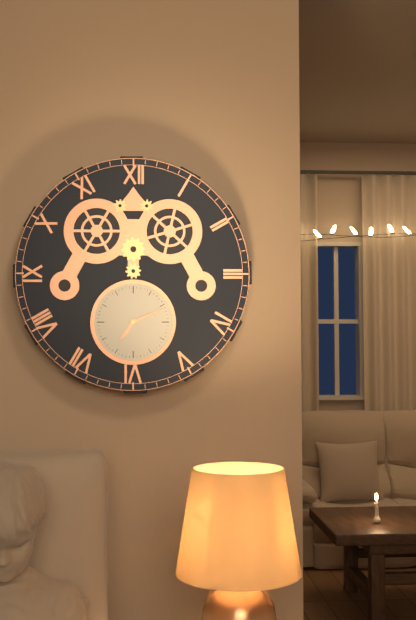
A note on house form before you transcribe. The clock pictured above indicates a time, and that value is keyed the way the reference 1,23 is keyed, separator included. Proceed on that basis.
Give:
7,11
